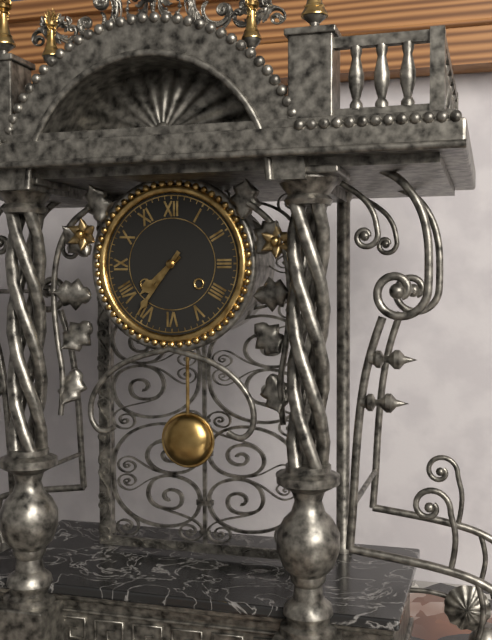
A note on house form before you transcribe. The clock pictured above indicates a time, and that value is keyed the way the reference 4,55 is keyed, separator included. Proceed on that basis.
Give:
7,36
